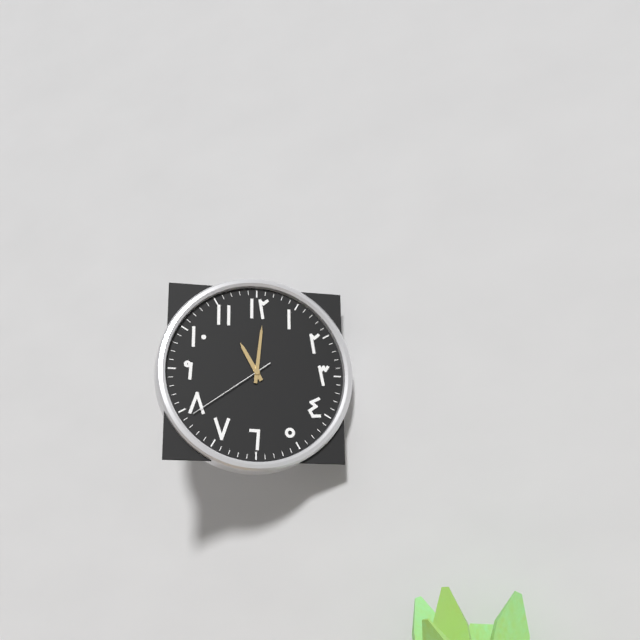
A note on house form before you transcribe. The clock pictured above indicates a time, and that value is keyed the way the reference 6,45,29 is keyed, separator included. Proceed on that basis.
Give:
11,01,39
